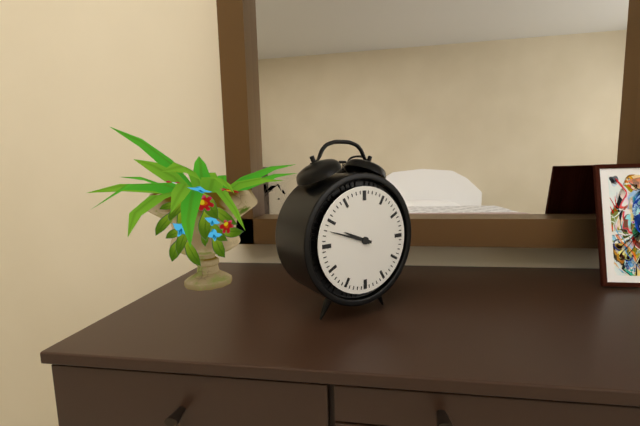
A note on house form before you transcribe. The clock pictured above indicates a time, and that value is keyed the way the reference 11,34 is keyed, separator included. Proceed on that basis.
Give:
9,48
